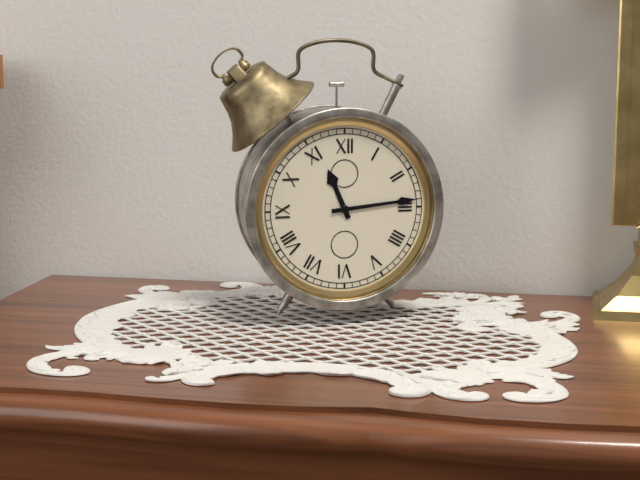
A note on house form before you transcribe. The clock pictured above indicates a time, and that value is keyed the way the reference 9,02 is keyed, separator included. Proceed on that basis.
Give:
11,14
